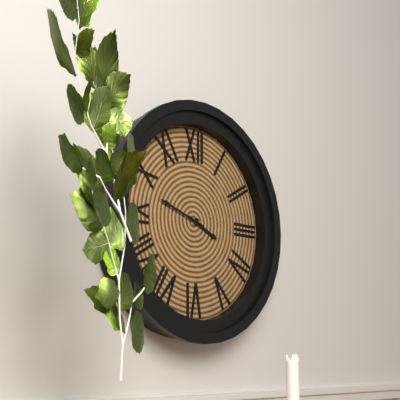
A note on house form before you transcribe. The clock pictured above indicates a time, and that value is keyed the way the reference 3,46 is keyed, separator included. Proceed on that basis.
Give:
3,48
